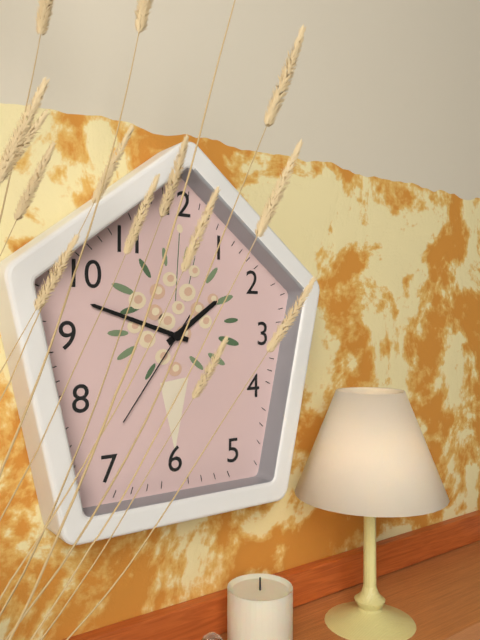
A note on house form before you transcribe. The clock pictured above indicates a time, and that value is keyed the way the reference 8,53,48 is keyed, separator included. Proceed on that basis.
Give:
1,48,36
